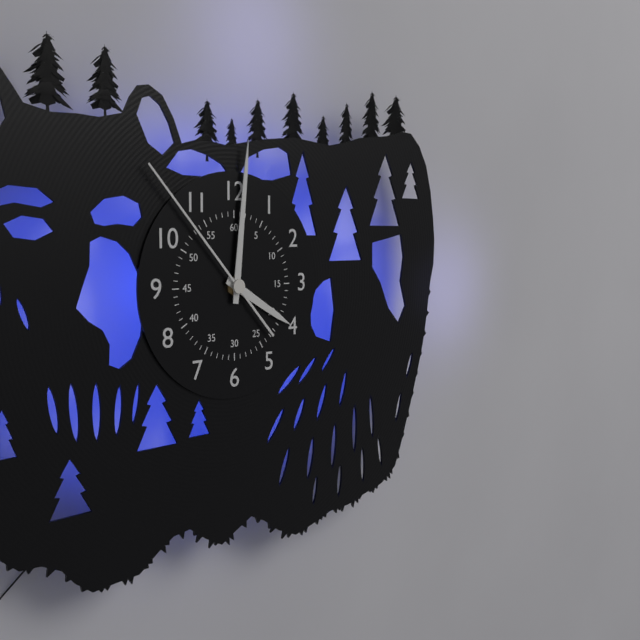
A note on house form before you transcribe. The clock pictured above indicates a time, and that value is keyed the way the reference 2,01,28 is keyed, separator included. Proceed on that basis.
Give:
4,01,53
